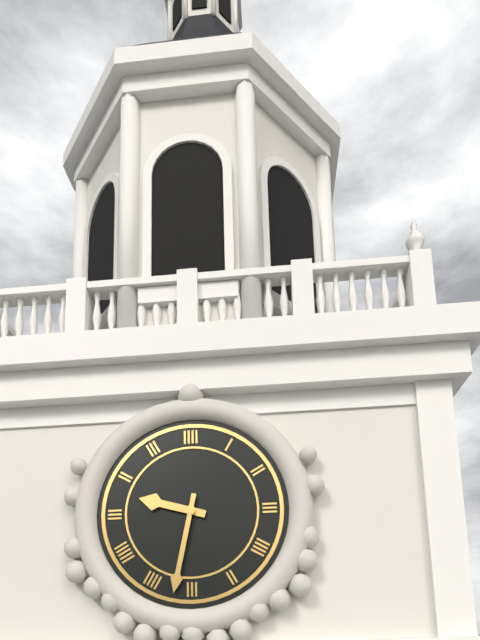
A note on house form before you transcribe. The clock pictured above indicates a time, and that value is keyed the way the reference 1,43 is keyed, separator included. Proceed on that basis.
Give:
9,32
